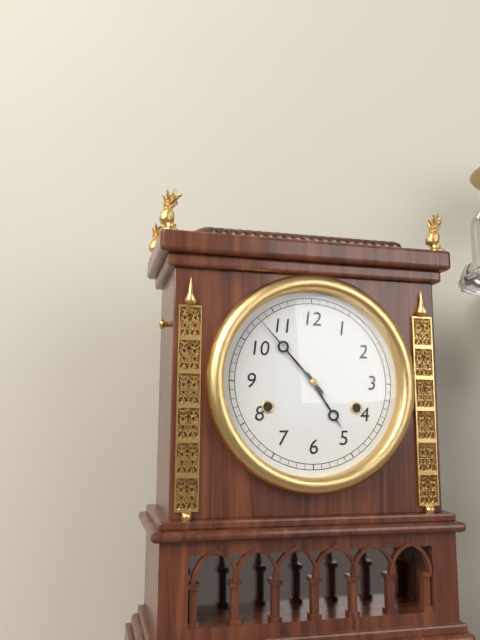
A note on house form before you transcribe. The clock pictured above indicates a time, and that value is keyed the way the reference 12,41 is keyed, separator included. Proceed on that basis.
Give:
4,53
